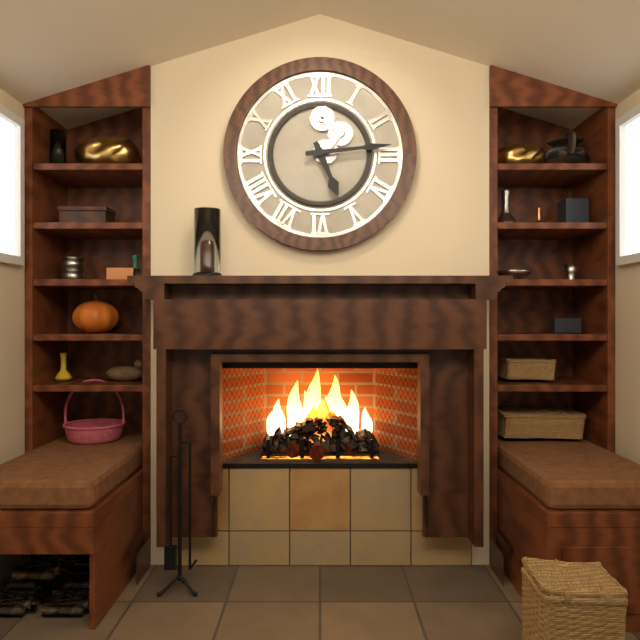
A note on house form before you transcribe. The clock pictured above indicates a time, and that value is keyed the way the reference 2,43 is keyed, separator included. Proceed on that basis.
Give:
5,14
